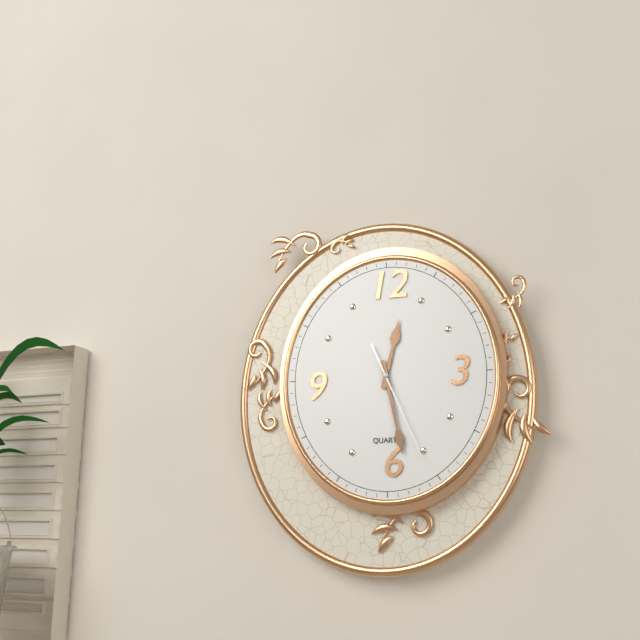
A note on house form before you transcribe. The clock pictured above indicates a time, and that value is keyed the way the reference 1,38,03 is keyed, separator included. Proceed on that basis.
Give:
12,28,26
